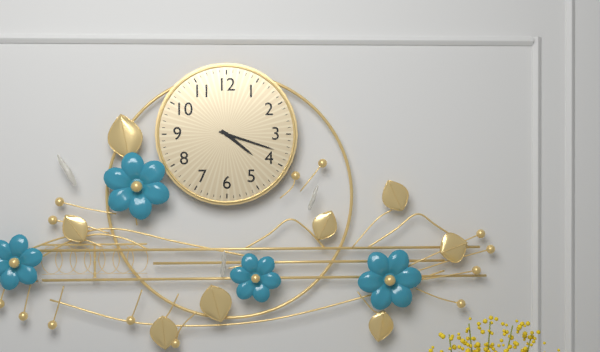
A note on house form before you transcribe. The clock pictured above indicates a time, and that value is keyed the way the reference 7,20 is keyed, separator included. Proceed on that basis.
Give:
4,18
